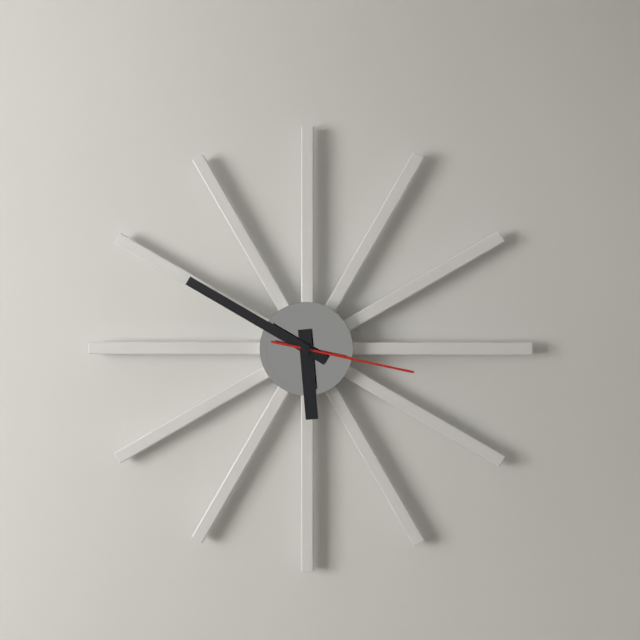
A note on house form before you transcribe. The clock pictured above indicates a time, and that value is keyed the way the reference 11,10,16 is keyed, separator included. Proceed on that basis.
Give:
5,50,17
